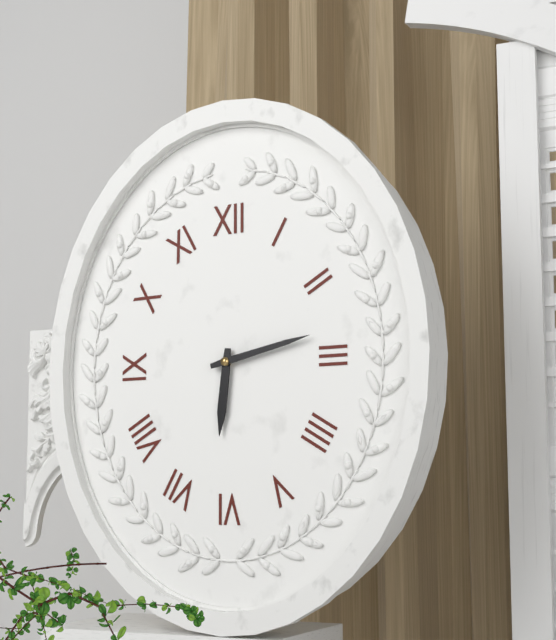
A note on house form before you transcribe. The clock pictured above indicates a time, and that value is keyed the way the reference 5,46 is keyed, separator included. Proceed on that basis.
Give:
6,13
